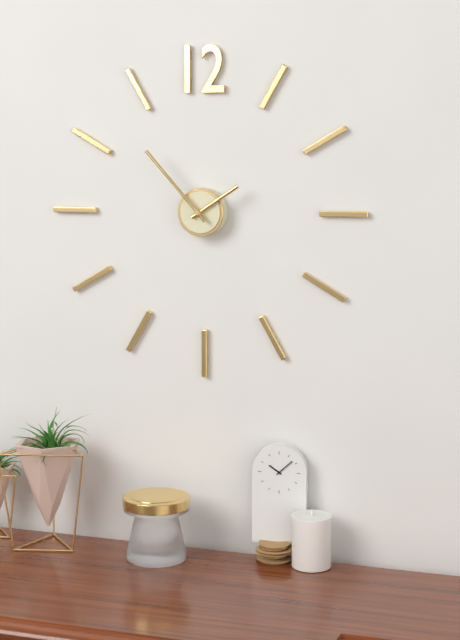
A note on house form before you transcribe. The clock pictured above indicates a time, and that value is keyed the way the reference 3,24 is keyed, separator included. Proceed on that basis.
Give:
1,53
